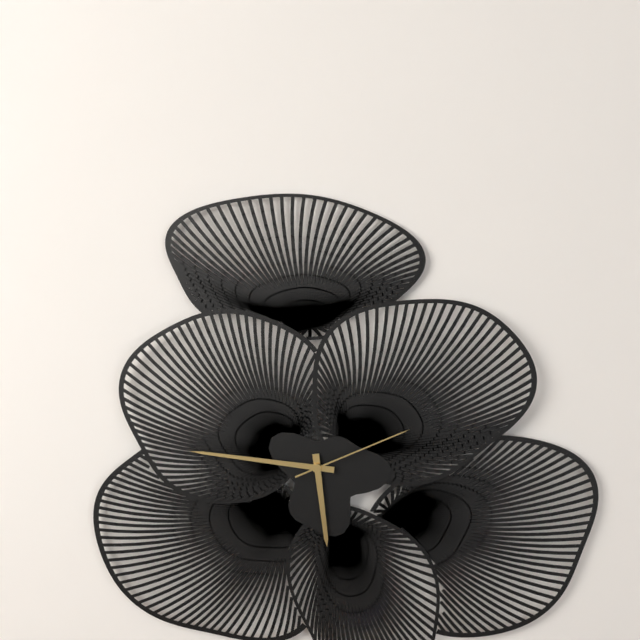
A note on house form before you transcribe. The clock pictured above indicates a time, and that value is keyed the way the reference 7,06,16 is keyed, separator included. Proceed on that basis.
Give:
5,46,11
